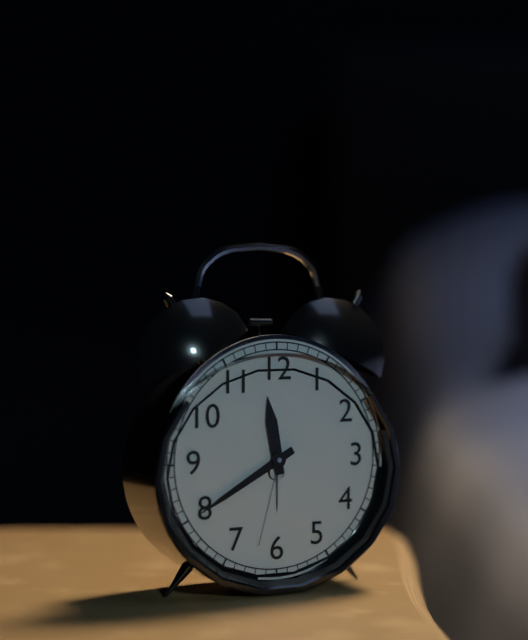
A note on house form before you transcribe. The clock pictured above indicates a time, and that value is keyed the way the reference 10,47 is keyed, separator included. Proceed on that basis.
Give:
11,40
